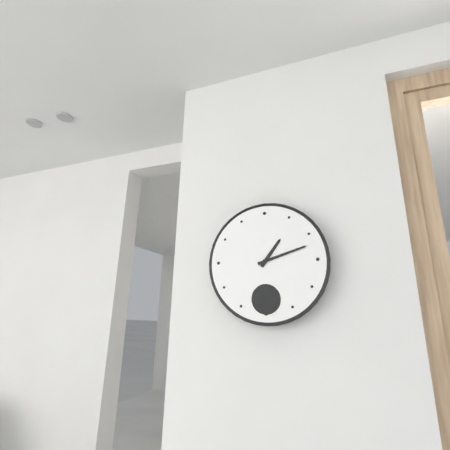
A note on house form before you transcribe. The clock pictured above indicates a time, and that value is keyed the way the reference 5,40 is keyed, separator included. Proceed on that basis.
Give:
1,12
